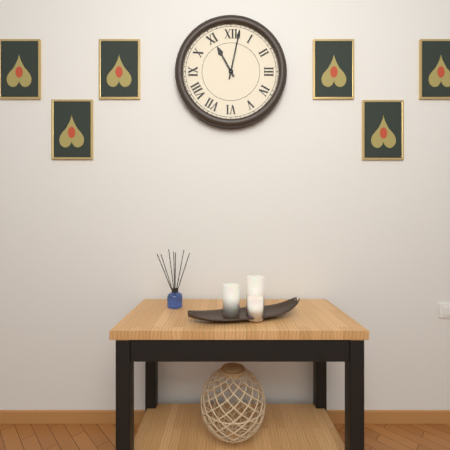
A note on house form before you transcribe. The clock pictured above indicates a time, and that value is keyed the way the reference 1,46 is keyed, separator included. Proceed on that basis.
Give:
11,02
